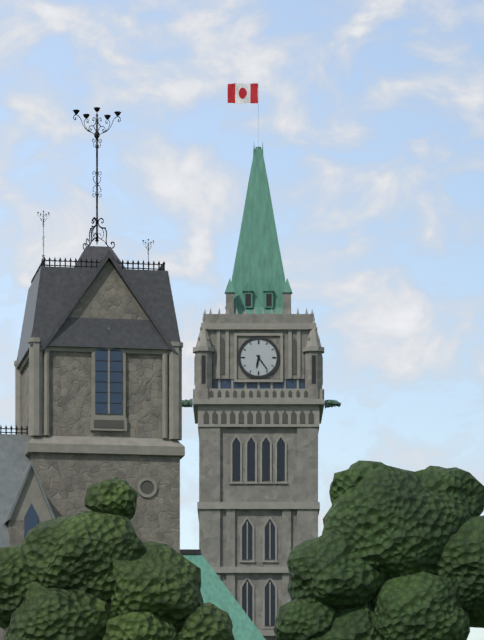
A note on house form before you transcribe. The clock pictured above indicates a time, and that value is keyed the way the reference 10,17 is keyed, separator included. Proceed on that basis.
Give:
6,24
